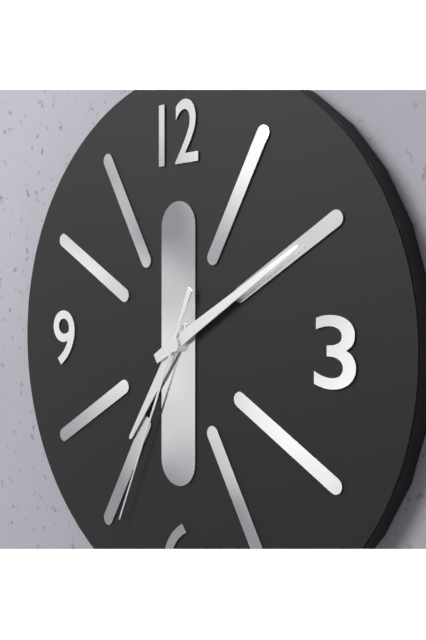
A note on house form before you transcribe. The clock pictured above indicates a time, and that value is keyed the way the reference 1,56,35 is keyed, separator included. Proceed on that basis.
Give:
7,10,34
